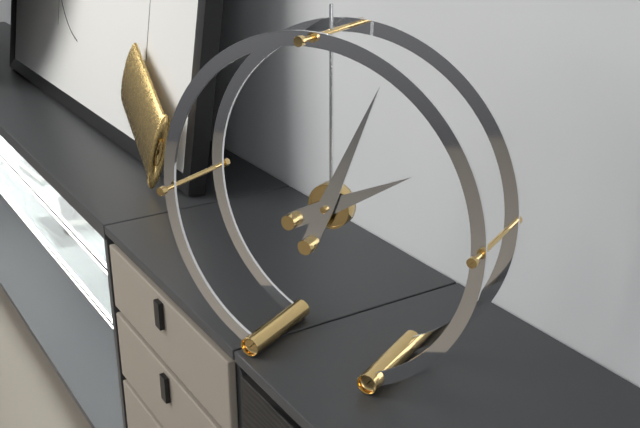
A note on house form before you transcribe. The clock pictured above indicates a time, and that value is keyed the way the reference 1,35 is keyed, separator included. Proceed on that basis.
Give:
2,04
